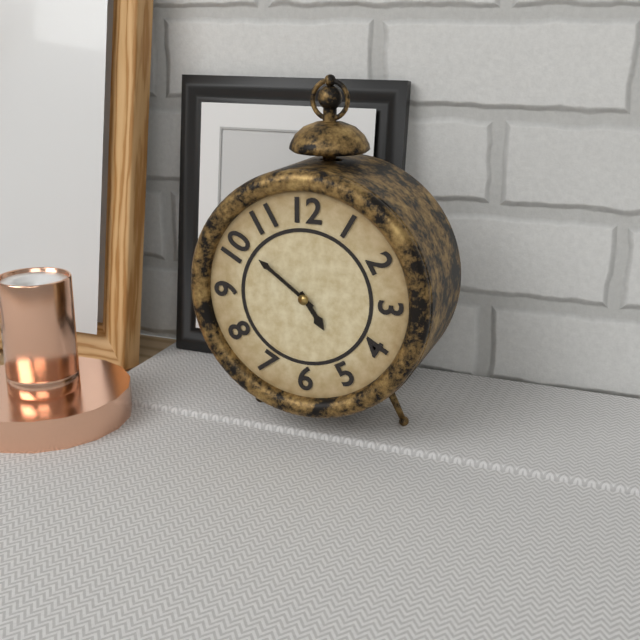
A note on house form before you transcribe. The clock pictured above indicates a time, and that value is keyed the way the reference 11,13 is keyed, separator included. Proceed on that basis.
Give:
4,51
